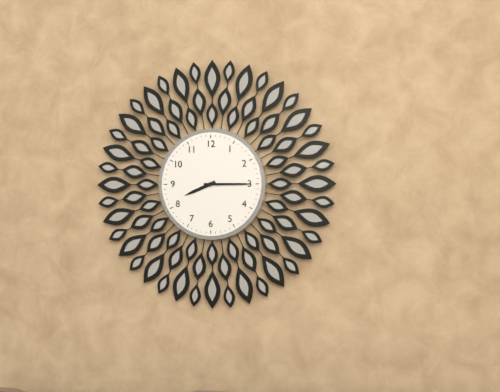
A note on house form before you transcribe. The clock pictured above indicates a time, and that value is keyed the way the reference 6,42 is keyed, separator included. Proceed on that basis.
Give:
8,15
